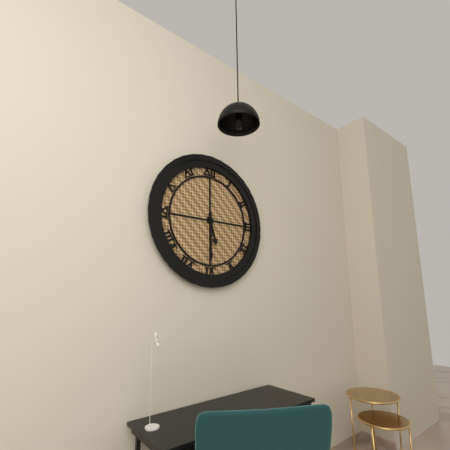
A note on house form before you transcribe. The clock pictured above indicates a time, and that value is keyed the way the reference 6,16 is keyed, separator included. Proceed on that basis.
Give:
5,30
